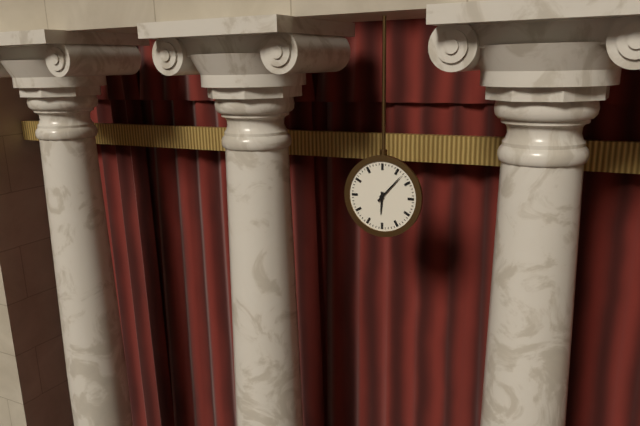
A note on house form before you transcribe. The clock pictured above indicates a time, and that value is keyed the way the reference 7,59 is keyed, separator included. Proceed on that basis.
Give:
6,07
